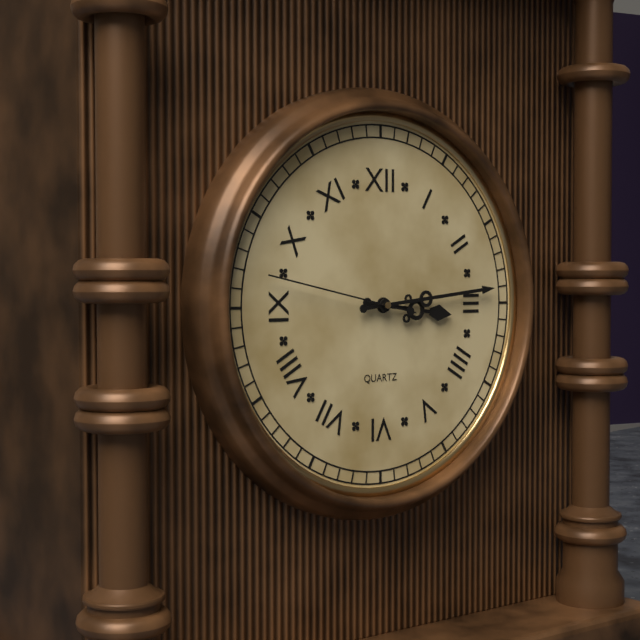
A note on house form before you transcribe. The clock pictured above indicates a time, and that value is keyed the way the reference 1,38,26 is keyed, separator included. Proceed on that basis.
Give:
3,14,47
